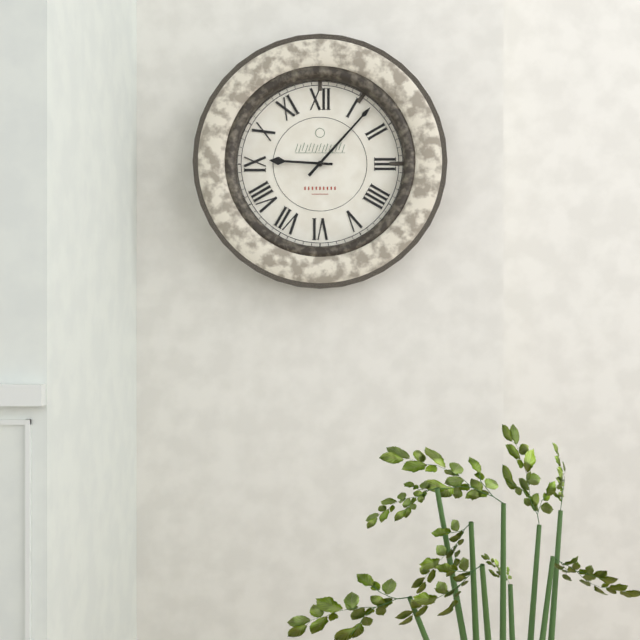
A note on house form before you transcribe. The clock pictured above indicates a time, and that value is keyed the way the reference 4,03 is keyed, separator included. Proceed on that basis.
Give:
9,07
